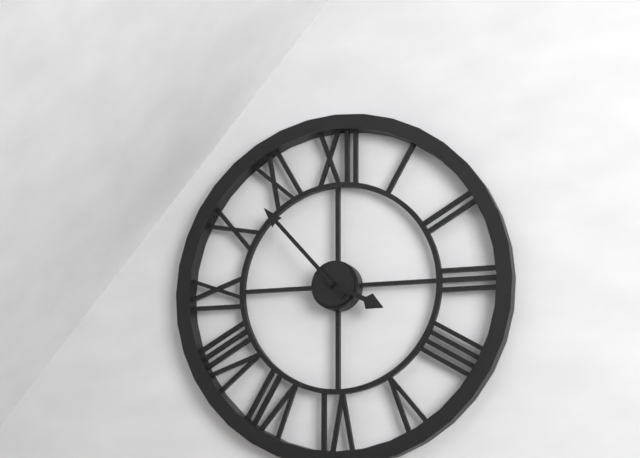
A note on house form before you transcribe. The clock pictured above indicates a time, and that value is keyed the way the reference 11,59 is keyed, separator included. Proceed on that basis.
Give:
3,53
